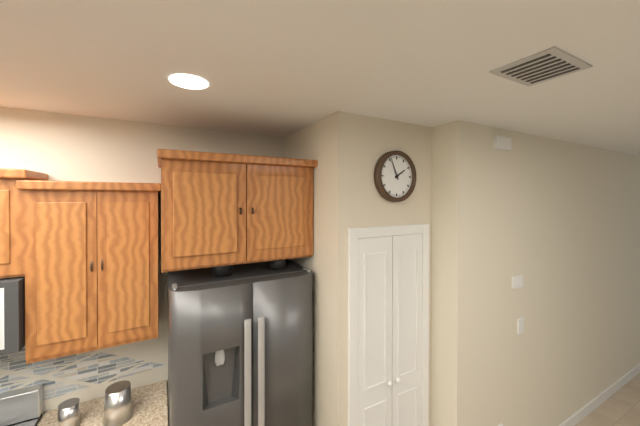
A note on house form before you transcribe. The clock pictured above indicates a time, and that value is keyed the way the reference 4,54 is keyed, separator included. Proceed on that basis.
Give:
1,56
